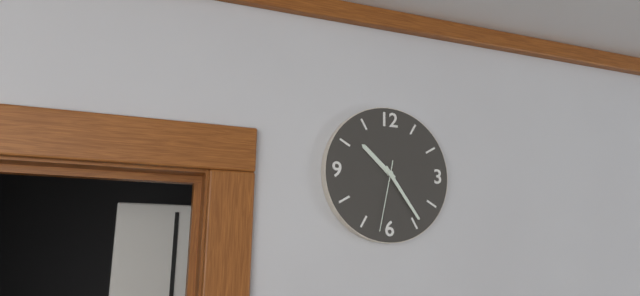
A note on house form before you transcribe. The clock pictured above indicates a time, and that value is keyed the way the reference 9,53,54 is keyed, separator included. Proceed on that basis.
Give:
10,24,32
